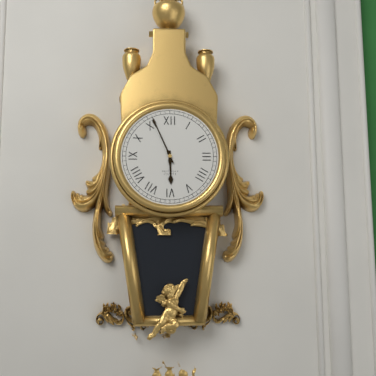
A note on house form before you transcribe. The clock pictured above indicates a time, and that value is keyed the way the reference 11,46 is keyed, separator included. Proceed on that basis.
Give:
5,56
